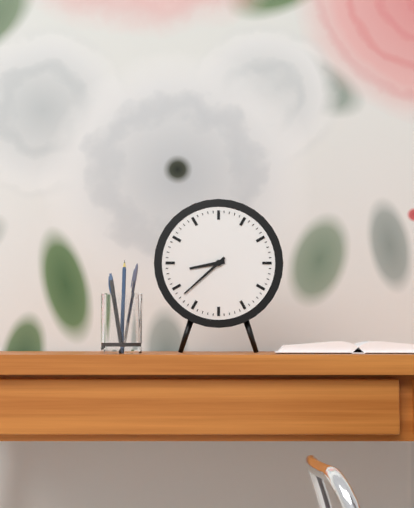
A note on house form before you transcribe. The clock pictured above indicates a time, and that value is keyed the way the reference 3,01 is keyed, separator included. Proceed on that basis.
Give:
8,38
